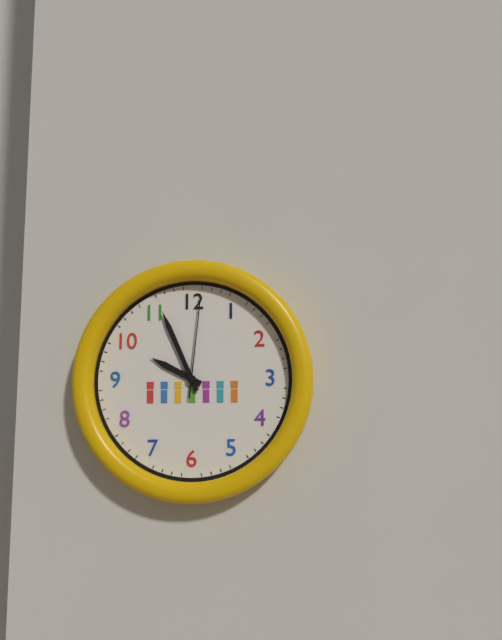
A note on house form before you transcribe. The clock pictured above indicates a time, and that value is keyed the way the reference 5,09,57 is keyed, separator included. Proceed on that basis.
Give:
9,56,01
